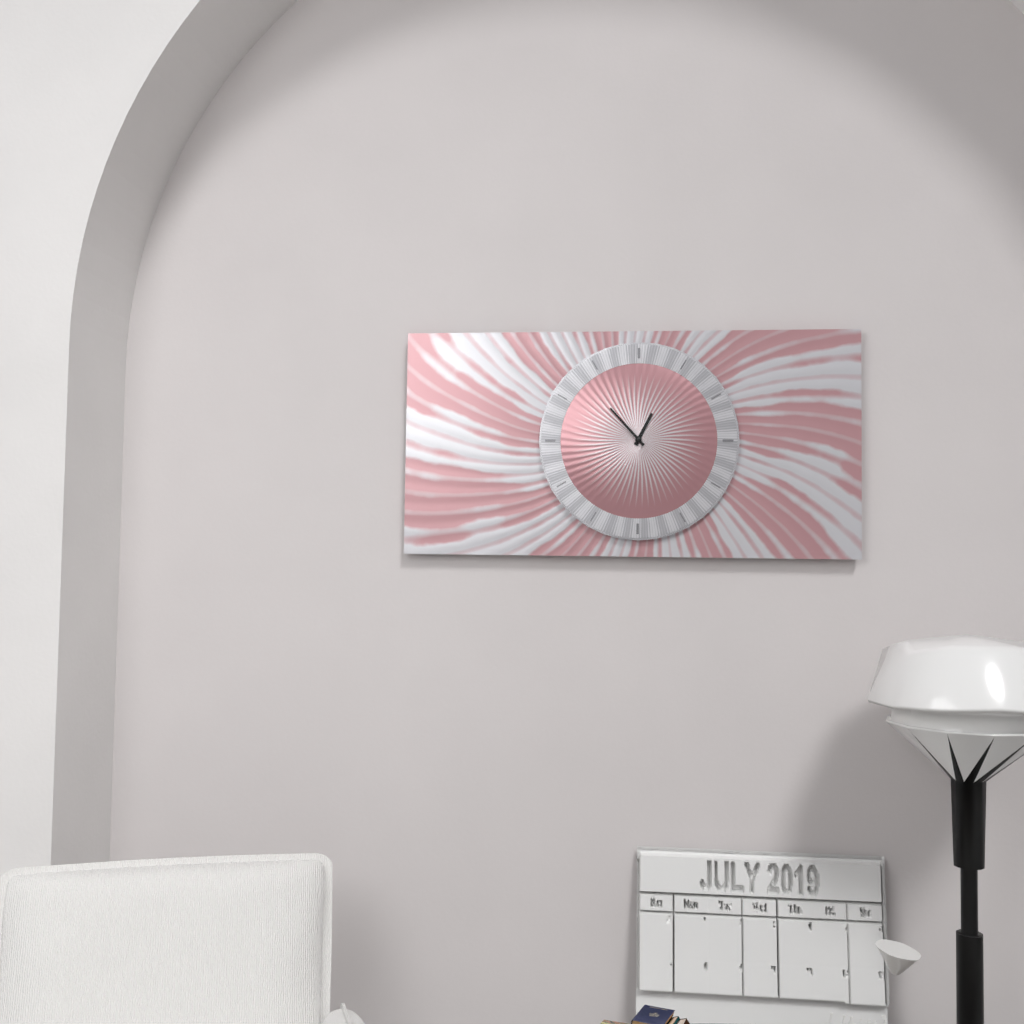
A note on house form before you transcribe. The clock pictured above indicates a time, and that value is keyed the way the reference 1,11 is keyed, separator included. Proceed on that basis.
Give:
12,53
